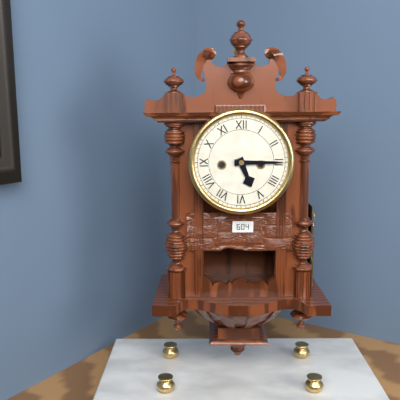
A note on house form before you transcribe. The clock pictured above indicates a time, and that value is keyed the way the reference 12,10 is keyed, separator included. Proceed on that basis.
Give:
5,15
